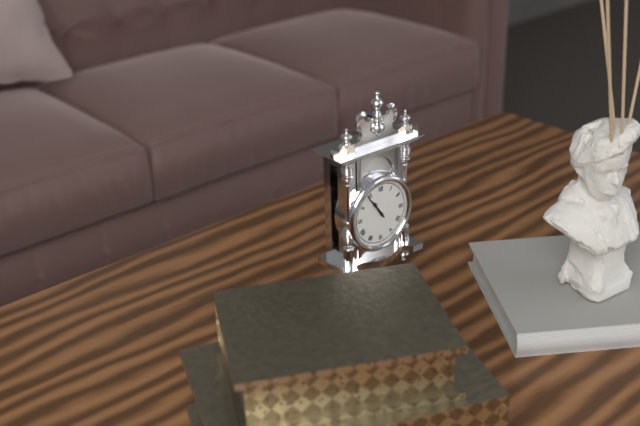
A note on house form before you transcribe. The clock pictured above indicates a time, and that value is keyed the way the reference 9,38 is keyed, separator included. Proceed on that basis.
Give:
10,54
